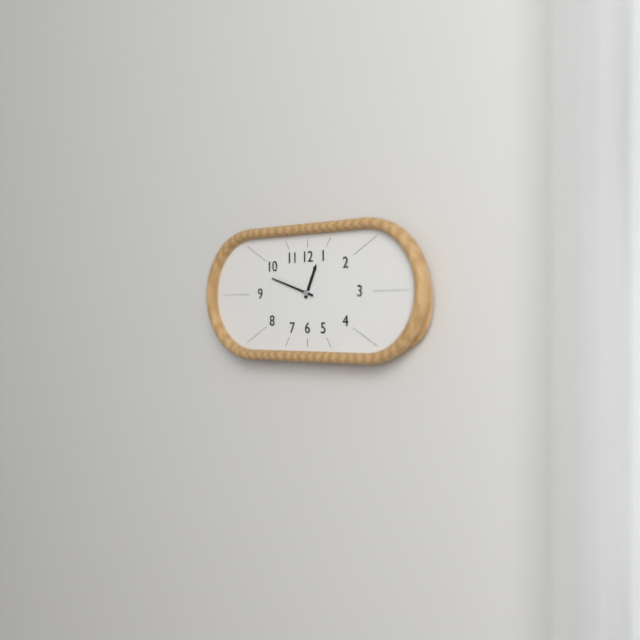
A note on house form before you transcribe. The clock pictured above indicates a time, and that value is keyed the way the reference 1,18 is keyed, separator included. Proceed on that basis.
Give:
12,48
